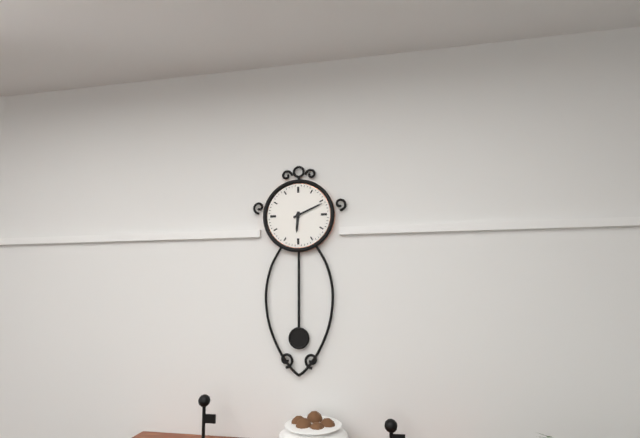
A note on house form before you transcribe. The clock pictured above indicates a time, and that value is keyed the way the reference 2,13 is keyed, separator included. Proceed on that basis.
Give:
6,11
